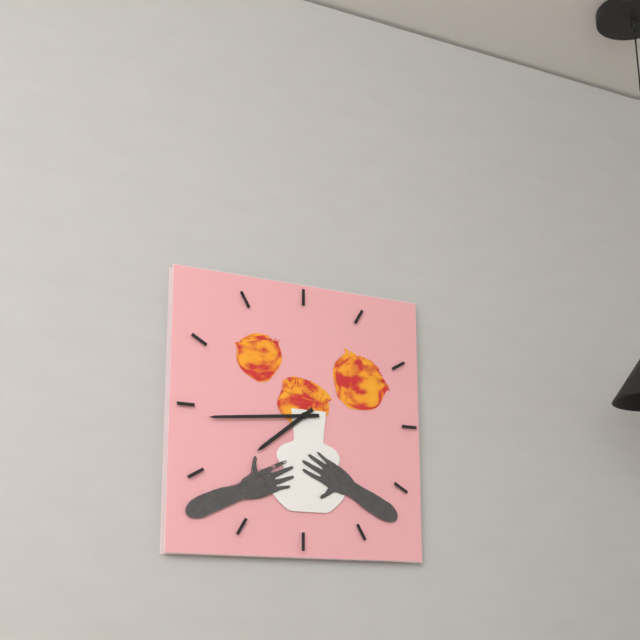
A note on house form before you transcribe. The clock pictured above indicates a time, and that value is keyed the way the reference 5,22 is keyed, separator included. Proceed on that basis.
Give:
7,44
